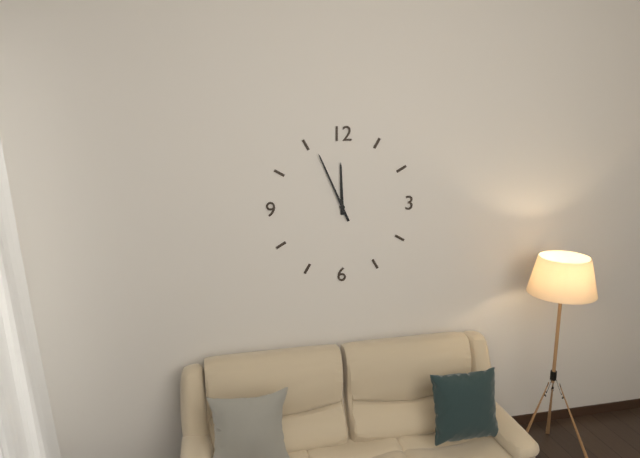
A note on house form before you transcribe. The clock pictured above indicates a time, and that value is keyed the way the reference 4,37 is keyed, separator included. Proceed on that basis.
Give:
11,56
